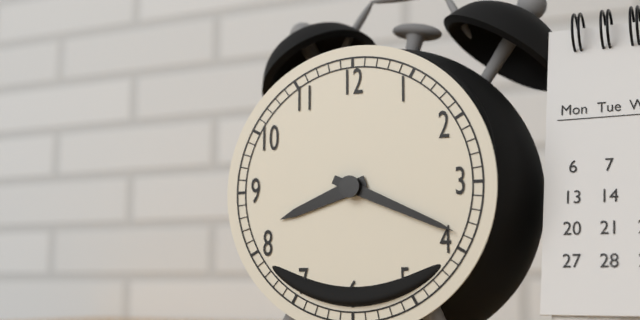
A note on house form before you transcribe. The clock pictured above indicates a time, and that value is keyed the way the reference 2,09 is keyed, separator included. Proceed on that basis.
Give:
8,19
